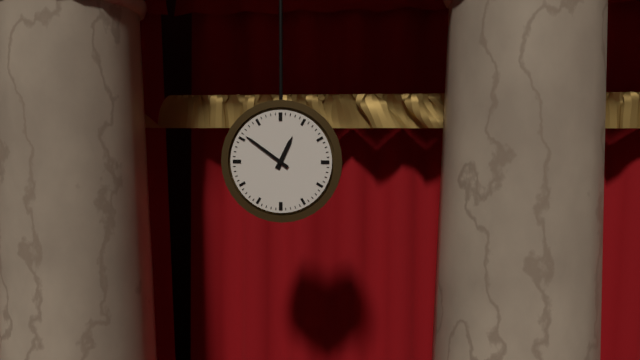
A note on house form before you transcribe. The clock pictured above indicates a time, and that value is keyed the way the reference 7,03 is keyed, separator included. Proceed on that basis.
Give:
12,51
